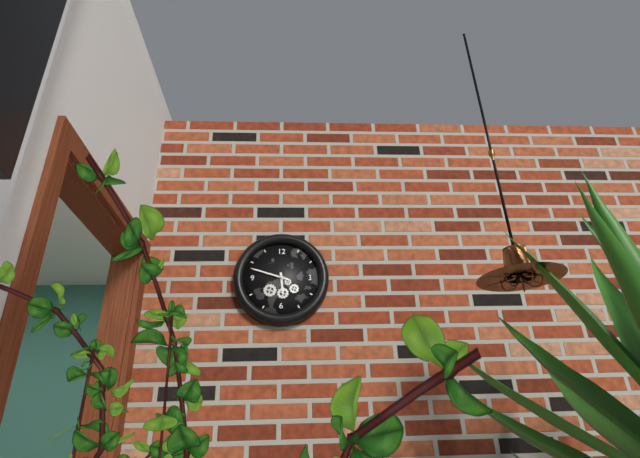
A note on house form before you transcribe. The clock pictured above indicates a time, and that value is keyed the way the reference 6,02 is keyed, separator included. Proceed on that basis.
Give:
5,48
